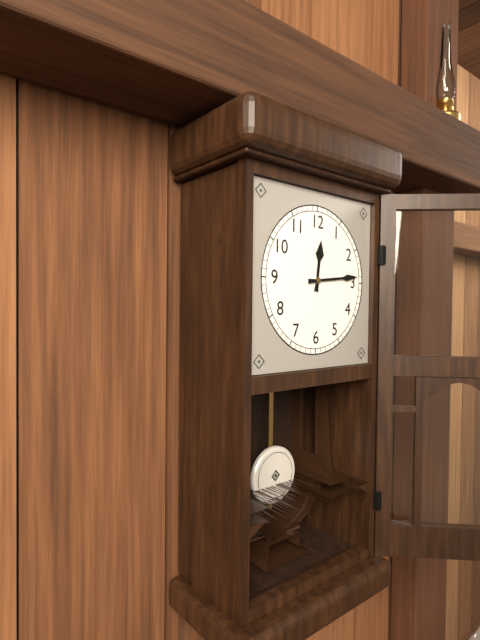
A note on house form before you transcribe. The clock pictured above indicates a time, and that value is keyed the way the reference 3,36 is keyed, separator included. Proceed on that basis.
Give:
12,14
